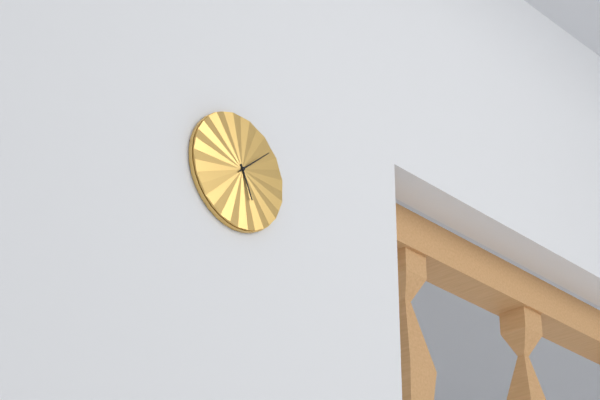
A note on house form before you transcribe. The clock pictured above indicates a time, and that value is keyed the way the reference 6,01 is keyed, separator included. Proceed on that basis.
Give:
5,08
